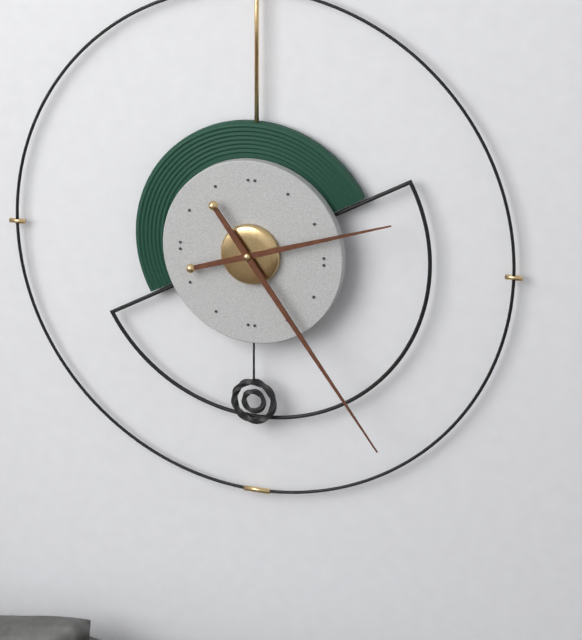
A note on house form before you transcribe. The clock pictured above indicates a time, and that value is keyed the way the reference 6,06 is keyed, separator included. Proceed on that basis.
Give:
2,24
